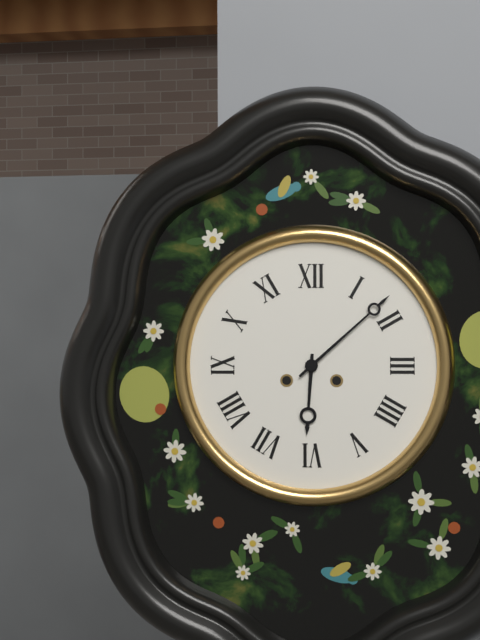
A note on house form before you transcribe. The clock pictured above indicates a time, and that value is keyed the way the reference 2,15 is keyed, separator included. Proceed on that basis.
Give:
6,08
